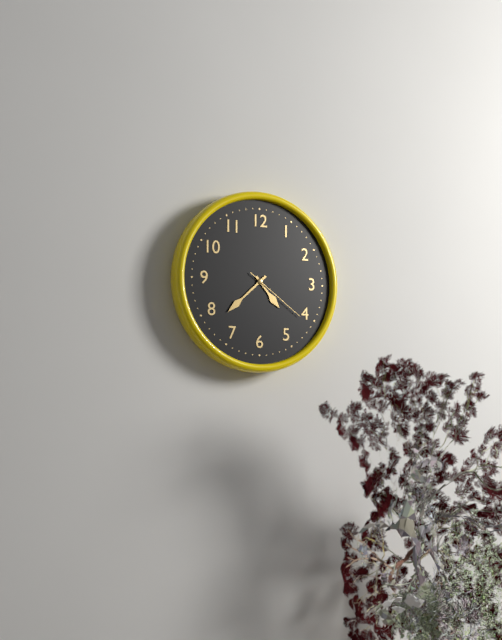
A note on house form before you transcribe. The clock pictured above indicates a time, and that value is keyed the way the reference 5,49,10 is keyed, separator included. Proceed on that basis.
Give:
4,38,21
